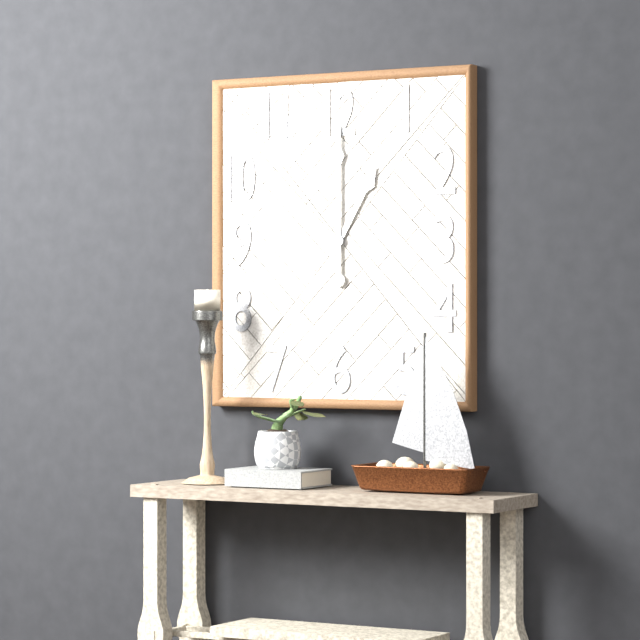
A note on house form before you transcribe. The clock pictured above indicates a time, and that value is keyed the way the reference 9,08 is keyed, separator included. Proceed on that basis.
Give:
1,00
